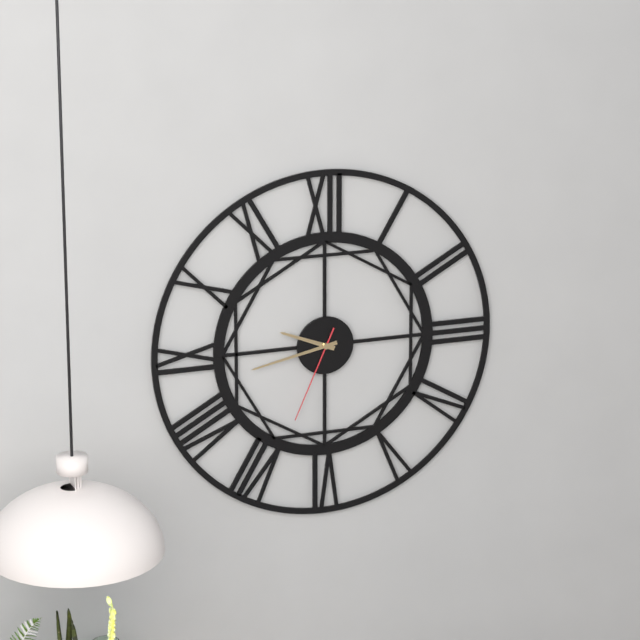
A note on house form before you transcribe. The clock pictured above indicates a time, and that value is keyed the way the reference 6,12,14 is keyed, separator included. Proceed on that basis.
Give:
9,43,34
